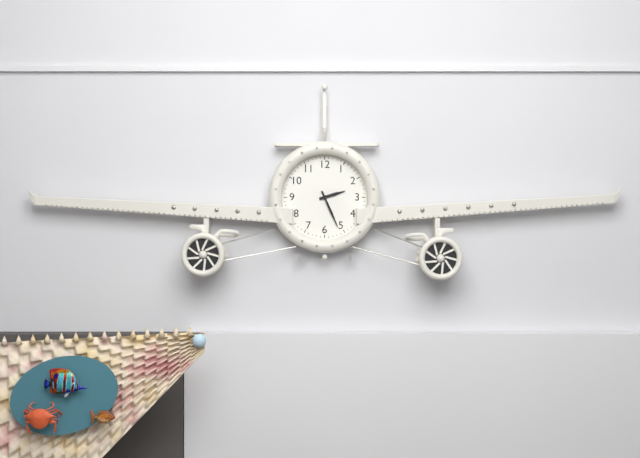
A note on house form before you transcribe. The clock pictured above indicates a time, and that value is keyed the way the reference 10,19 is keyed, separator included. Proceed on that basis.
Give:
2,26
